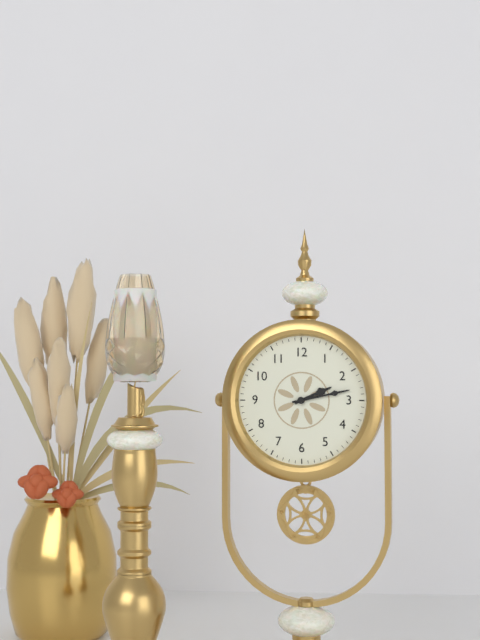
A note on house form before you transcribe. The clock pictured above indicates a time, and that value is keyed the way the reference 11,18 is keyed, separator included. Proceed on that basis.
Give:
2,13
